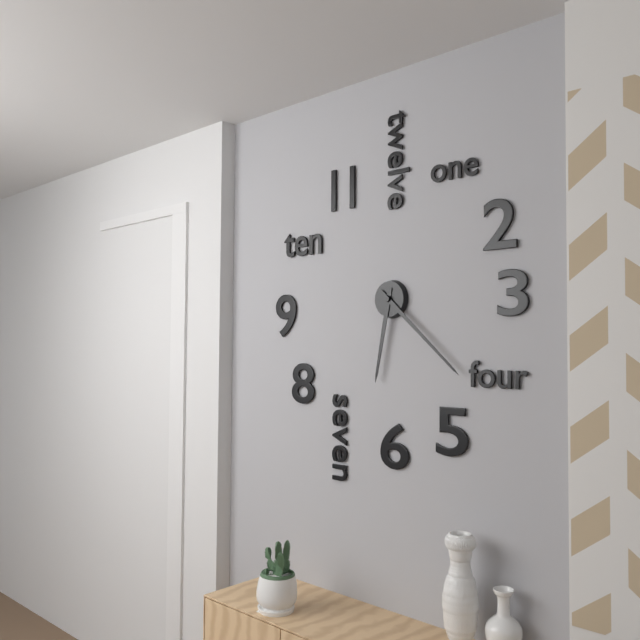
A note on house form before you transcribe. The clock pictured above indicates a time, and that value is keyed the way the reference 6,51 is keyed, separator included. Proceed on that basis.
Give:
6,22
